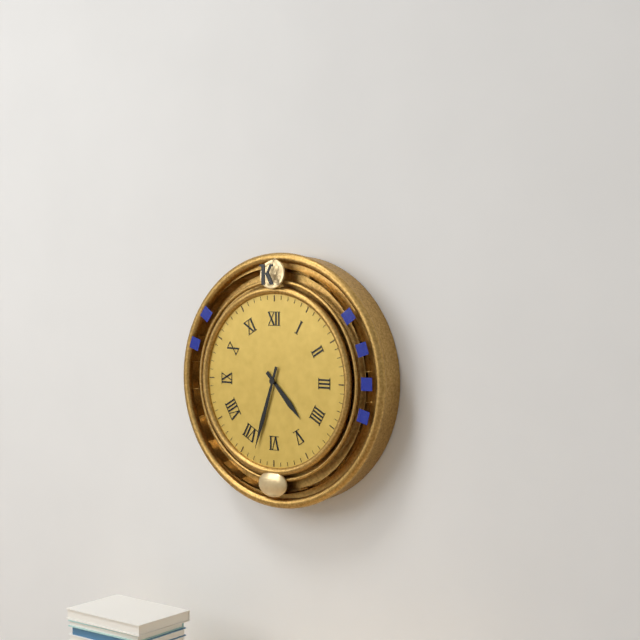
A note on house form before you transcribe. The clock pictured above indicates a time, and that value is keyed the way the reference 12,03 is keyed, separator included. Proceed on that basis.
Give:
4,33
